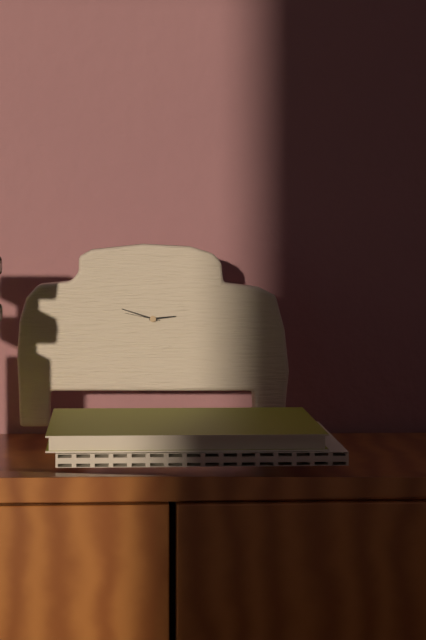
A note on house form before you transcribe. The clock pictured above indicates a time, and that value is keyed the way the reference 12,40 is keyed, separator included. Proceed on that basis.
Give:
2,48
